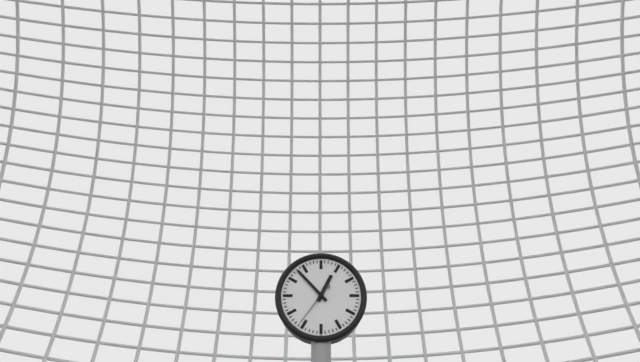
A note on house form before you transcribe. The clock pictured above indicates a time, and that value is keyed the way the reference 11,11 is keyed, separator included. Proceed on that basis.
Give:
12,53
